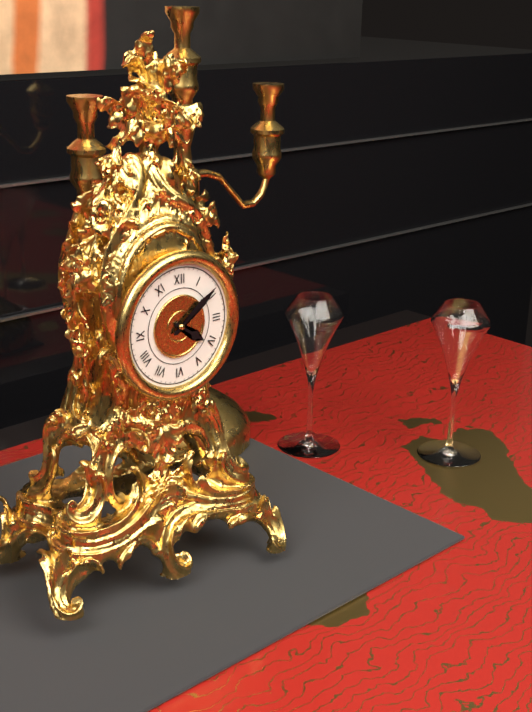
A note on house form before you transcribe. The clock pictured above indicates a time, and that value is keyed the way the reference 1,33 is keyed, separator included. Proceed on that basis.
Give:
4,09
